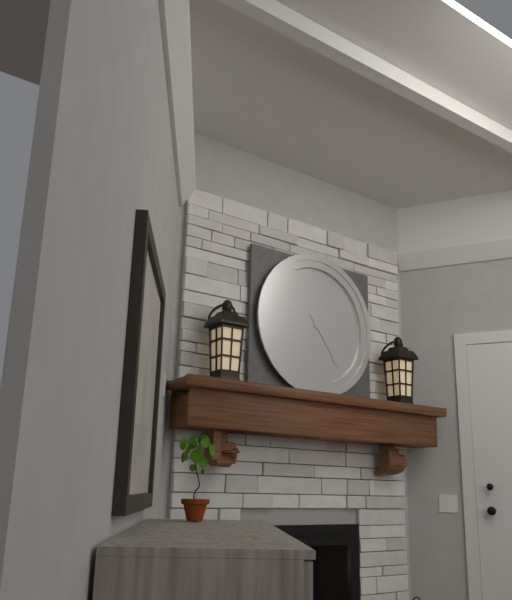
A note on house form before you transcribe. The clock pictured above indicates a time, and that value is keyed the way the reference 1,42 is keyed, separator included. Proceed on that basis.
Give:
1,24
